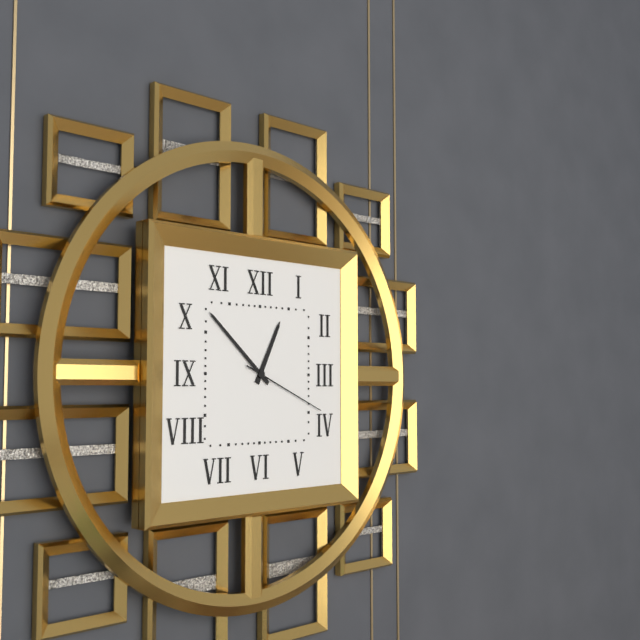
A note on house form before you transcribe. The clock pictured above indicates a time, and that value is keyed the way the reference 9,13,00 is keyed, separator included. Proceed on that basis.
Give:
12,52,19
